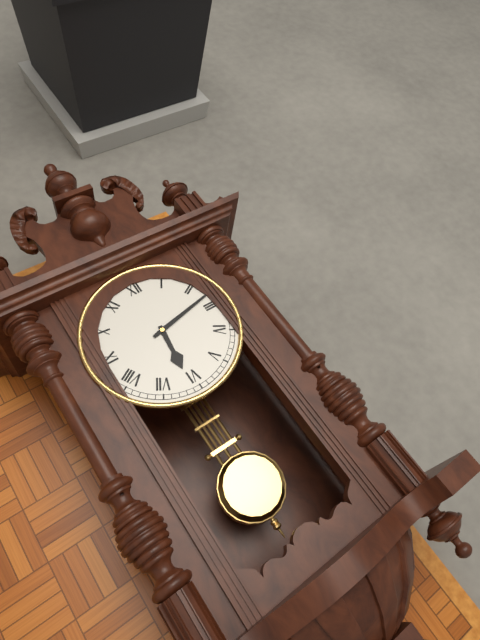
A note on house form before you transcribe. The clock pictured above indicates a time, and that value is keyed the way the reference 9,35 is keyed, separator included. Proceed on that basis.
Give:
6,13
